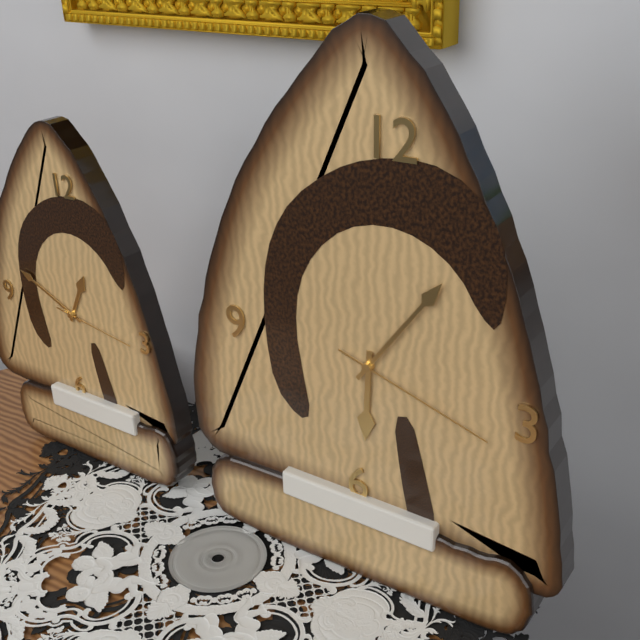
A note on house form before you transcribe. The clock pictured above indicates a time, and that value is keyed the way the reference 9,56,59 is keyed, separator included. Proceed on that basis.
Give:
6,06,18
